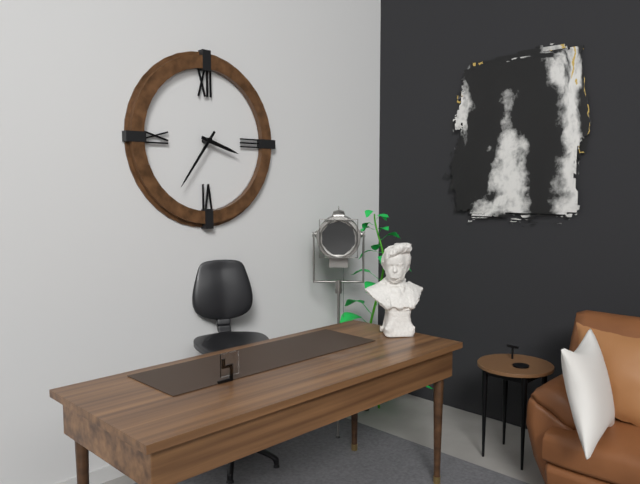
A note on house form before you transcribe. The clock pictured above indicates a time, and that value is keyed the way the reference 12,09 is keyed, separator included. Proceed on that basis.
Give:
3,36
